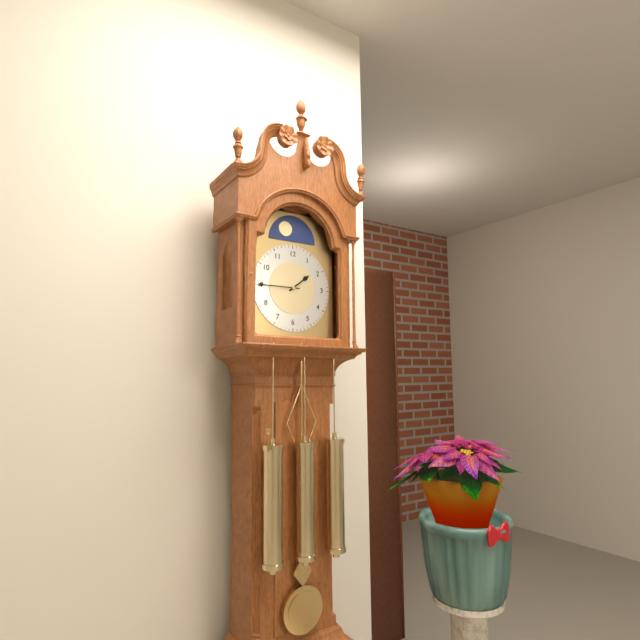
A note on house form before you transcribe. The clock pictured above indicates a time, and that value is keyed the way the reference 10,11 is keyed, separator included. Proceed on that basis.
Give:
1,45
